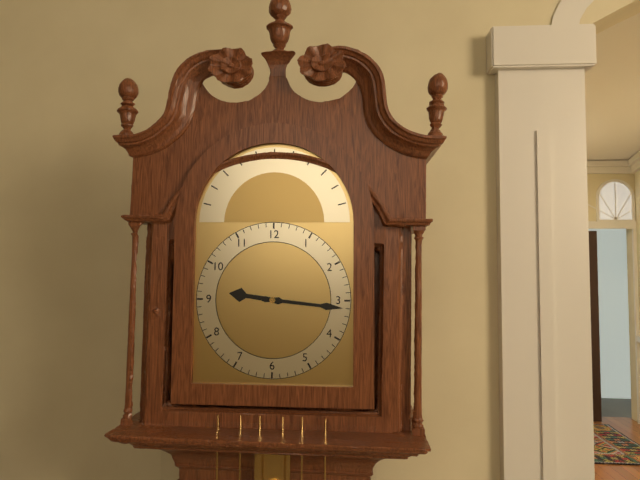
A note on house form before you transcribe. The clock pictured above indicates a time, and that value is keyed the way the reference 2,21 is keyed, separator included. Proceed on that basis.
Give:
9,16
